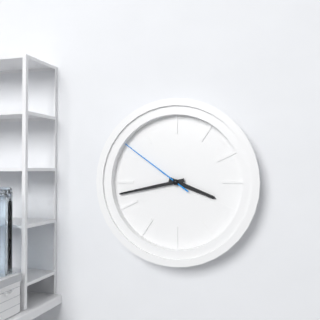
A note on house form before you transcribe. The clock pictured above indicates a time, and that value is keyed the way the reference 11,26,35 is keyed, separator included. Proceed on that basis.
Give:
3,43,51
